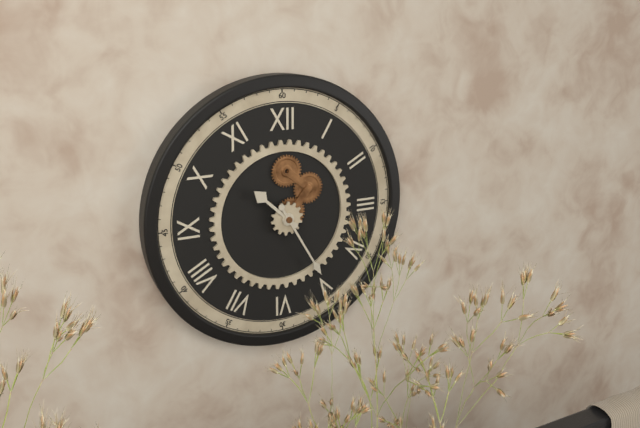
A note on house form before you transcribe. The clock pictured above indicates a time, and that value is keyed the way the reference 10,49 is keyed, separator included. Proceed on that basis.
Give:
10,25
